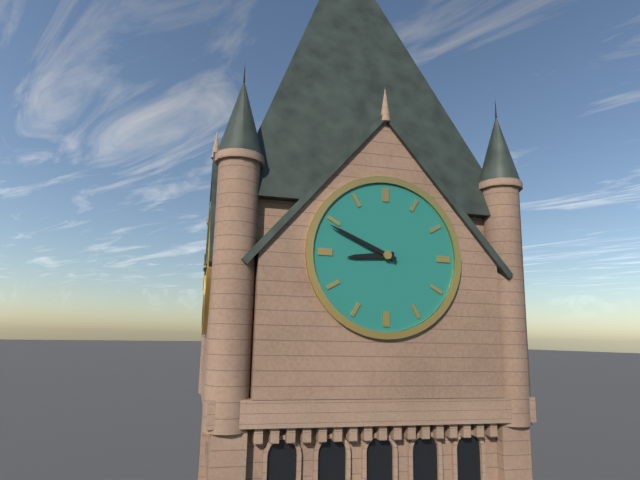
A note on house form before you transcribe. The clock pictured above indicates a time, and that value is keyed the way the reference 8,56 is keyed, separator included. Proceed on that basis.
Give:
8,49
